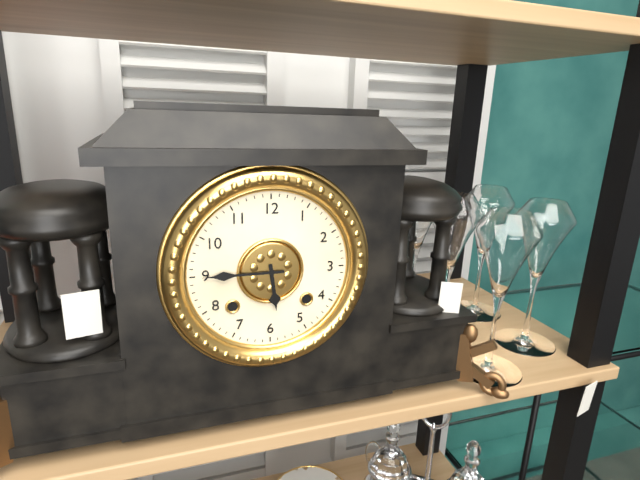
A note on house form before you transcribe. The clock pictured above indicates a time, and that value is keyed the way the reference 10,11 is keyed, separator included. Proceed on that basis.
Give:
5,45
